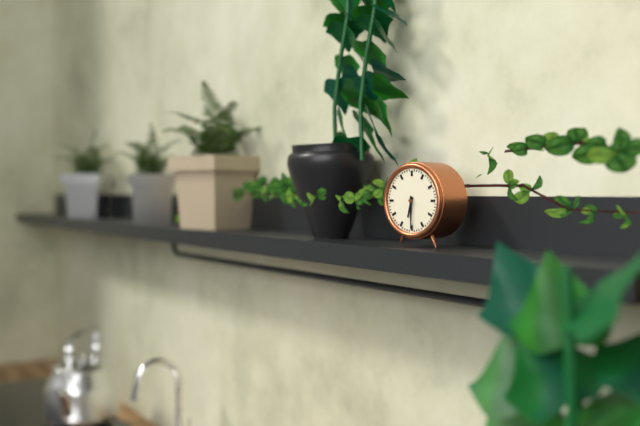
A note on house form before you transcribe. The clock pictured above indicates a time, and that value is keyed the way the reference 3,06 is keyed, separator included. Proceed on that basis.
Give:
6,30
